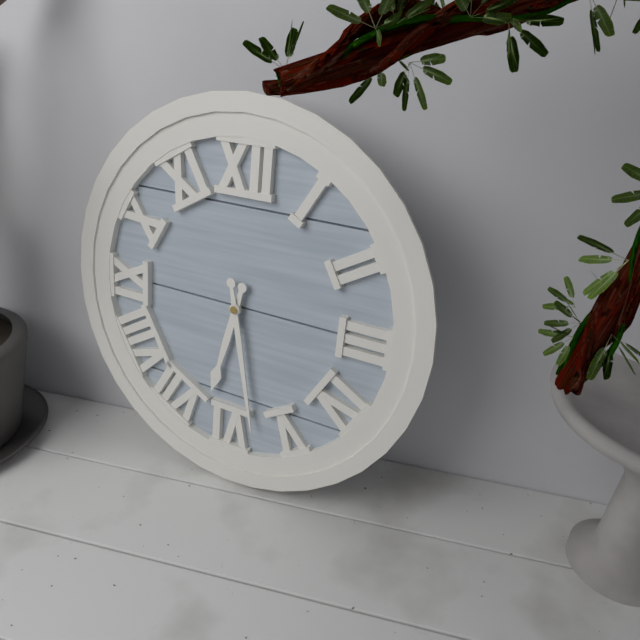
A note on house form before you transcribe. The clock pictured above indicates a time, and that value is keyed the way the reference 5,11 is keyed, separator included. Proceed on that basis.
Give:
6,28
